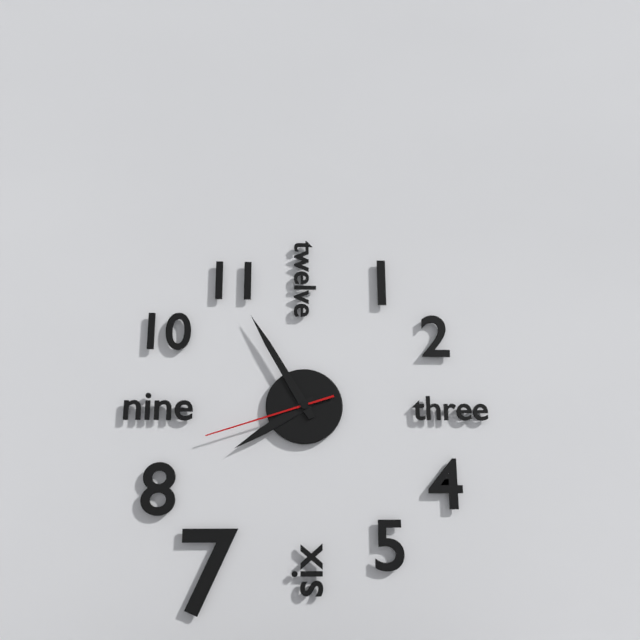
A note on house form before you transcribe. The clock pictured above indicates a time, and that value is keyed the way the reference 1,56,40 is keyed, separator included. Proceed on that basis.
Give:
7,55,42
